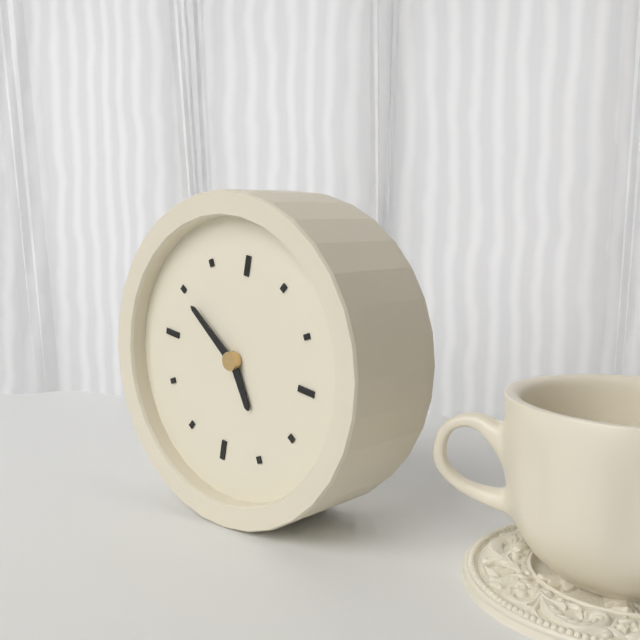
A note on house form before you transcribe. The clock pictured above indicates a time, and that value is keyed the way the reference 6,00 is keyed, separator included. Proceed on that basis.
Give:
4,50
